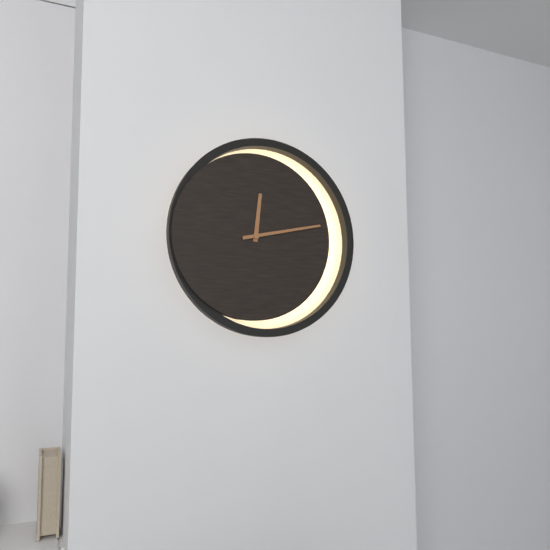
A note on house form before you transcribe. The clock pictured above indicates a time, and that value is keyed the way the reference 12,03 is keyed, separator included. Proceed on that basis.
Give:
12,13
